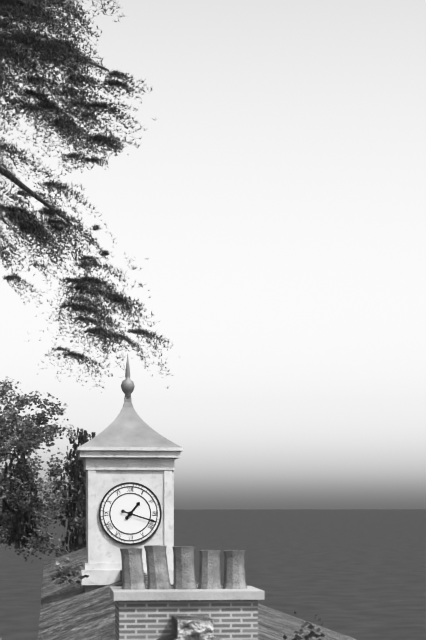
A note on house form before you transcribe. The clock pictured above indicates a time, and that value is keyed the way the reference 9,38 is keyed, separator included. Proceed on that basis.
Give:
1,18
